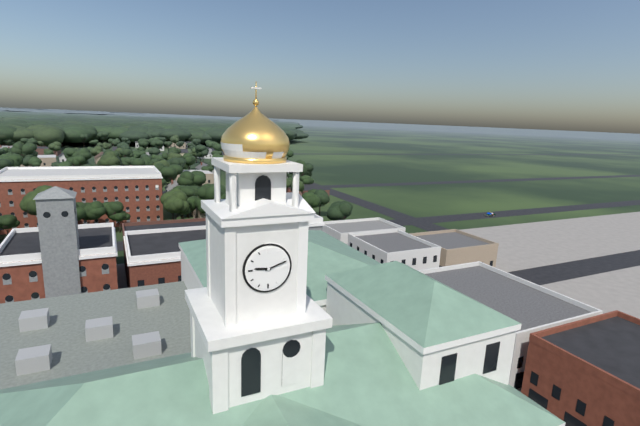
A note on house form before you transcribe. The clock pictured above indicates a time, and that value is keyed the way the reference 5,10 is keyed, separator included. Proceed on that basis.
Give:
9,12
